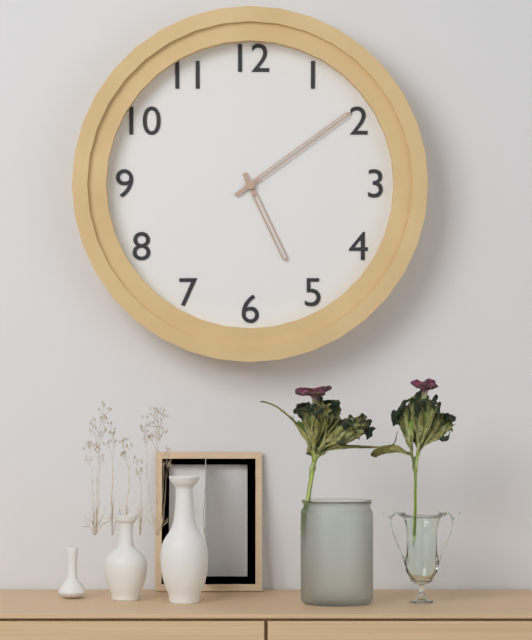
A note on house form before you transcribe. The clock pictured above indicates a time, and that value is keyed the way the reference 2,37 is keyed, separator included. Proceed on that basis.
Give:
5,09
